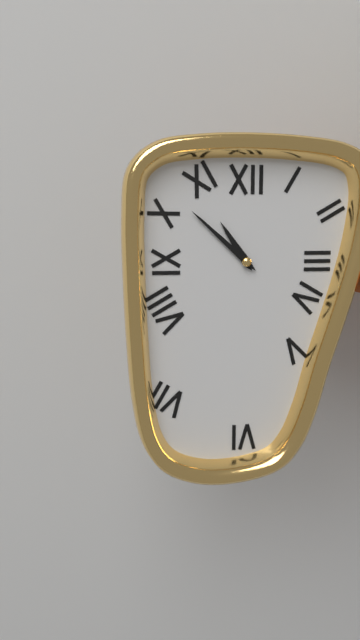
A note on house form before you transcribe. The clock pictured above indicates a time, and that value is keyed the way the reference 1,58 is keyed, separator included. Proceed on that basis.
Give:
10,52
